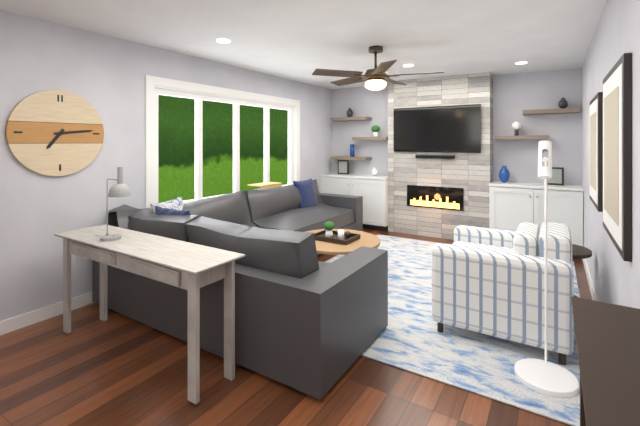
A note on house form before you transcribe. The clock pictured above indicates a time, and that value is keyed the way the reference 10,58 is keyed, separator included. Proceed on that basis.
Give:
7,14
